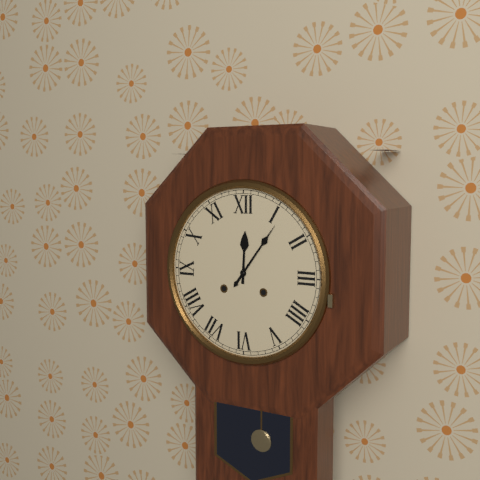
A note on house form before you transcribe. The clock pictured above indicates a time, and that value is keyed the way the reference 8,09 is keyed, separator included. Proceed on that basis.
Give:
12,06
